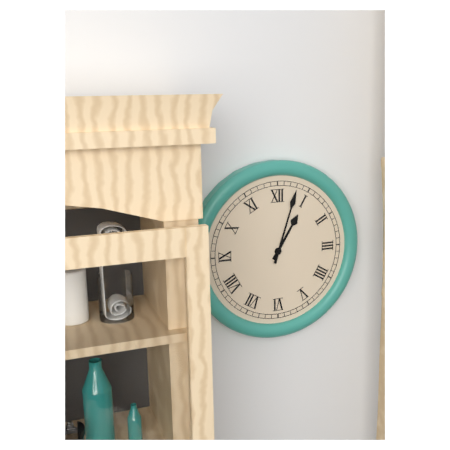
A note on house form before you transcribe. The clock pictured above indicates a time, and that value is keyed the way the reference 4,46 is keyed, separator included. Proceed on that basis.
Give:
1,03
